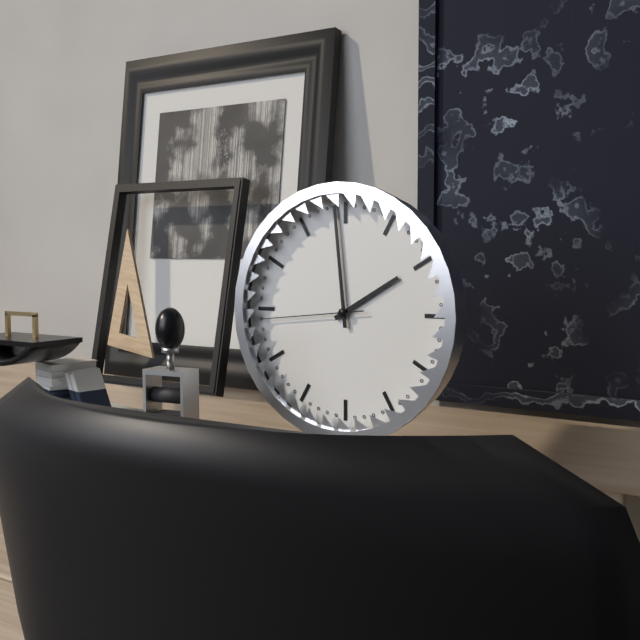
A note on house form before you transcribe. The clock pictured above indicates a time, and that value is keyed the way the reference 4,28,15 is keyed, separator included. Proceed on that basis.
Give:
1,59,44
